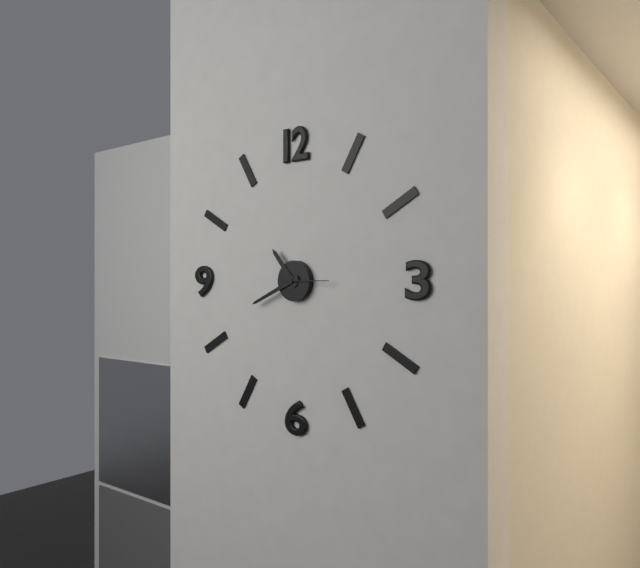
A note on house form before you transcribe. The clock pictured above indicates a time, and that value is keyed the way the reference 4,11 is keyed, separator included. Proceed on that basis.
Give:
10,41
